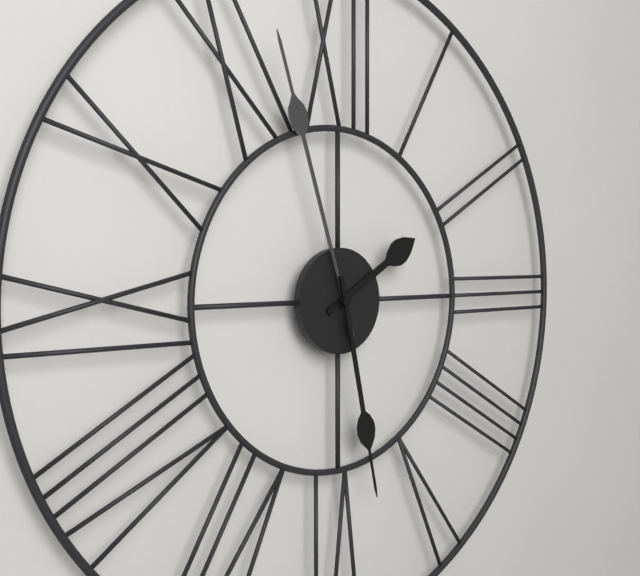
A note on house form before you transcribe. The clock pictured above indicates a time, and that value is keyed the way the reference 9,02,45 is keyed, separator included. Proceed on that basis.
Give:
1,57,28
